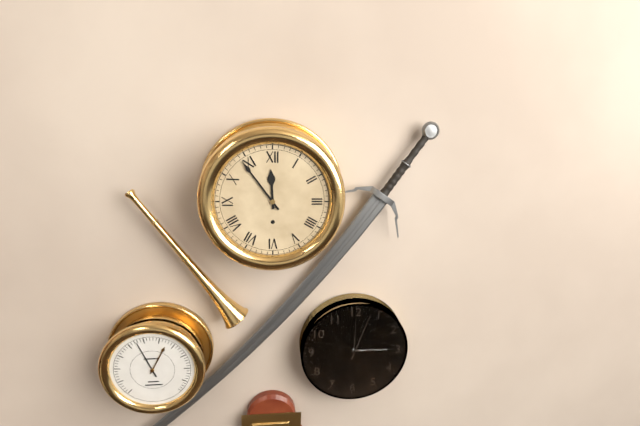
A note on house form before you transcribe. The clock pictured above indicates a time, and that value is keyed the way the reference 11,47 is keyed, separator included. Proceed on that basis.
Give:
11,54
